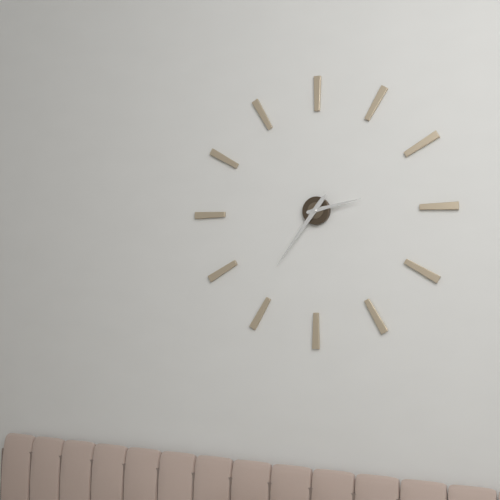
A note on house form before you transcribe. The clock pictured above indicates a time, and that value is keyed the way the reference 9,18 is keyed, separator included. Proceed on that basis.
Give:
2,36
